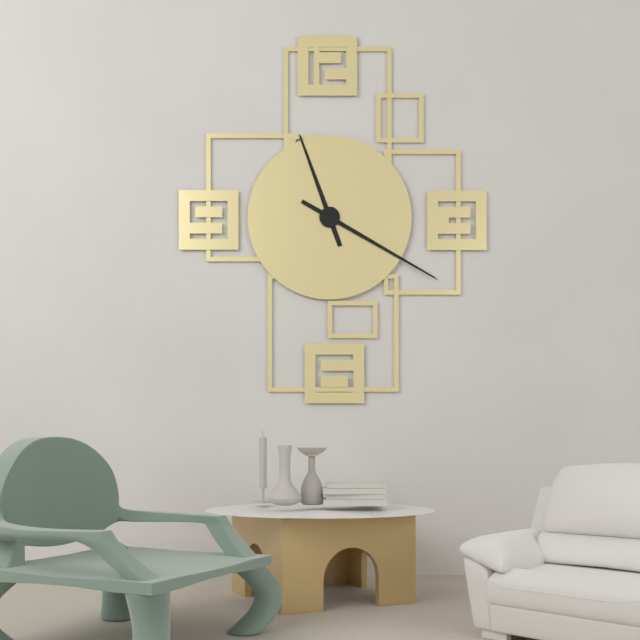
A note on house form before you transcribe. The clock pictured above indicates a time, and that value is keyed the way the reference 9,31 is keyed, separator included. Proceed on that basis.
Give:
11,20
